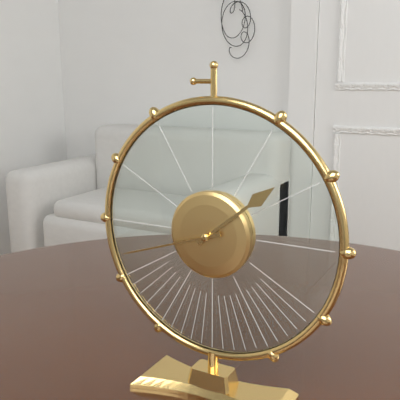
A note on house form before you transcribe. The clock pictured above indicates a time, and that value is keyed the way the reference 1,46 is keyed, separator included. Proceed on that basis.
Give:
1,42
